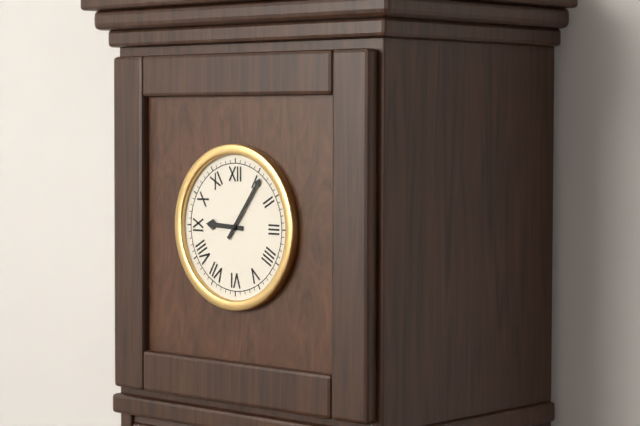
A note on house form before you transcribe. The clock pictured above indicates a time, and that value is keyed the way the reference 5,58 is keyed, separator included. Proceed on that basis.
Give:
9,06
